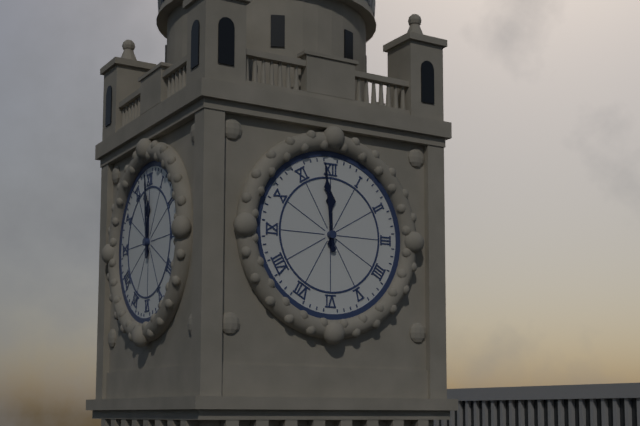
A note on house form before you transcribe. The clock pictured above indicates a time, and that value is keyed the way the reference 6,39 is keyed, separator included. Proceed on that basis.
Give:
11,59
